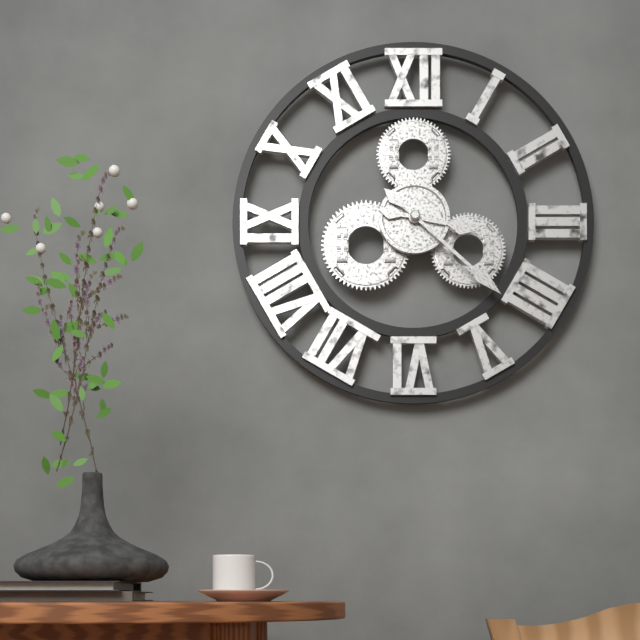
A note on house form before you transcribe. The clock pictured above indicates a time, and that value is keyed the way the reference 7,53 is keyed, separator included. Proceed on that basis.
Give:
3,22
